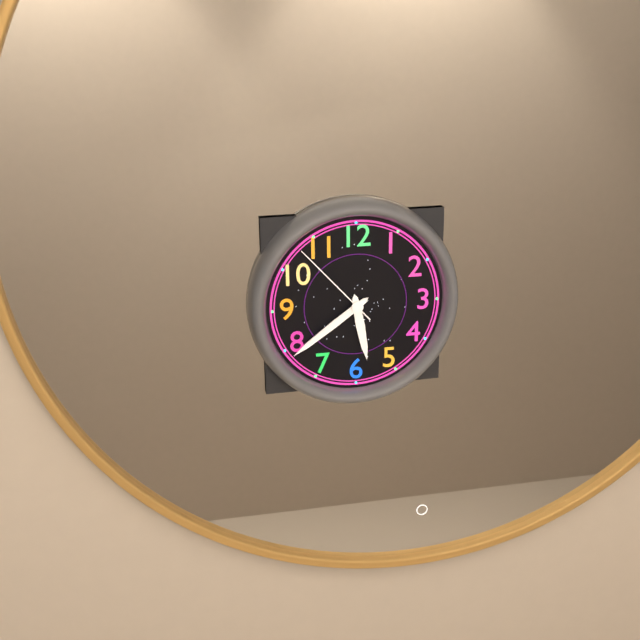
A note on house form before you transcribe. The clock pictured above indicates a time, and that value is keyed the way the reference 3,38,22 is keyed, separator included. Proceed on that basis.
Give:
5,39,53
